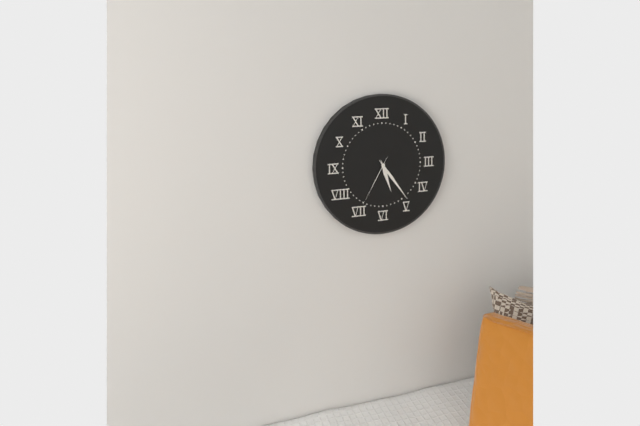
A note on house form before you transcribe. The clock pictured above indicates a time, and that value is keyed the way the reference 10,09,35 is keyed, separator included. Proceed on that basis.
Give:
5,24,35
